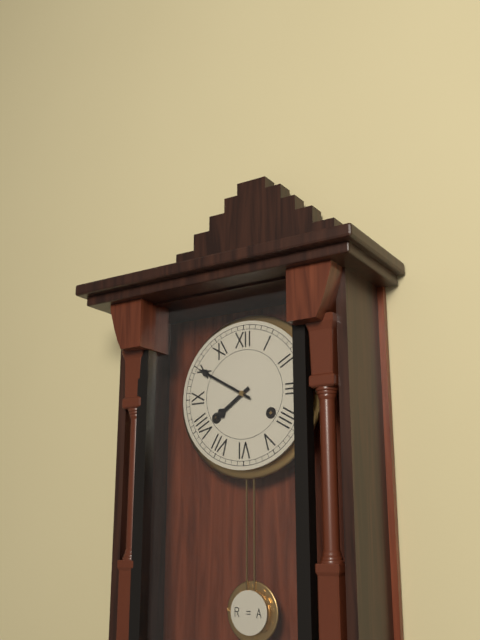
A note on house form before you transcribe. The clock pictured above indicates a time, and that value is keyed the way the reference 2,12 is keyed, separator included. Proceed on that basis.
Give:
7,50
